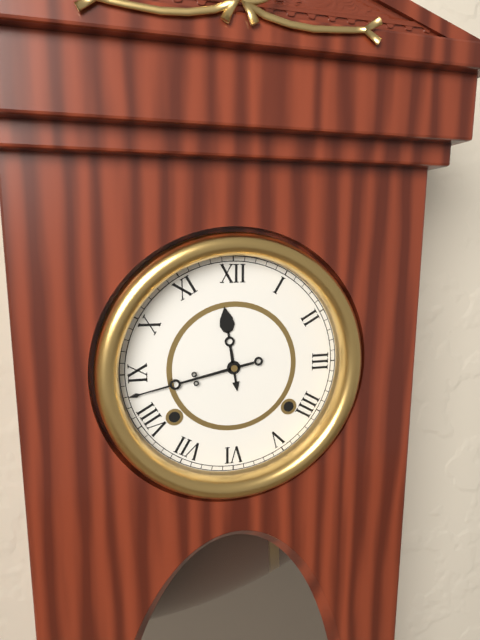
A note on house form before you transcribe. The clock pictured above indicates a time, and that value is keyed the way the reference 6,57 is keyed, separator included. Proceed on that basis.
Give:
11,43
